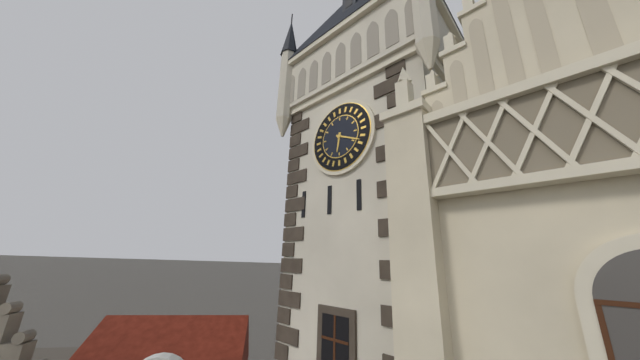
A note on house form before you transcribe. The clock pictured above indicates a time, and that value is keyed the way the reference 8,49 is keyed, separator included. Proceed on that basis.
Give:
6,19
